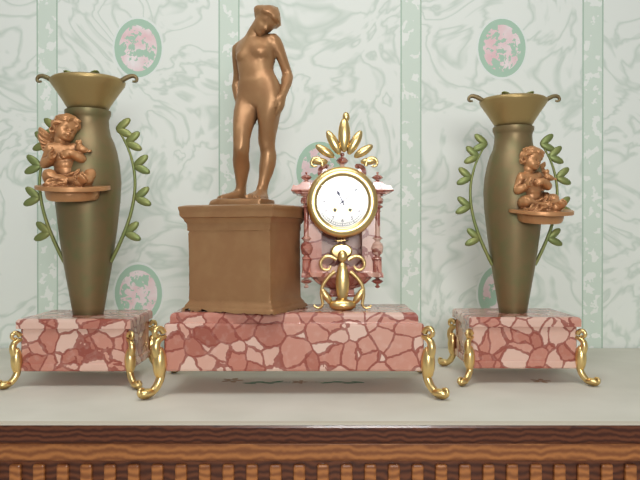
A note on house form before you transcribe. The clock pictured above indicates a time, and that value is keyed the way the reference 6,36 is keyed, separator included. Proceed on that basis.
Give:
11,08
